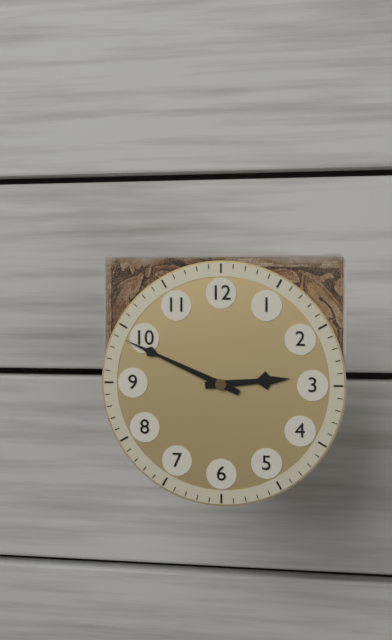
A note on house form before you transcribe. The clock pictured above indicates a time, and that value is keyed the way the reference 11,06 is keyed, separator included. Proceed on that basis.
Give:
2,49
